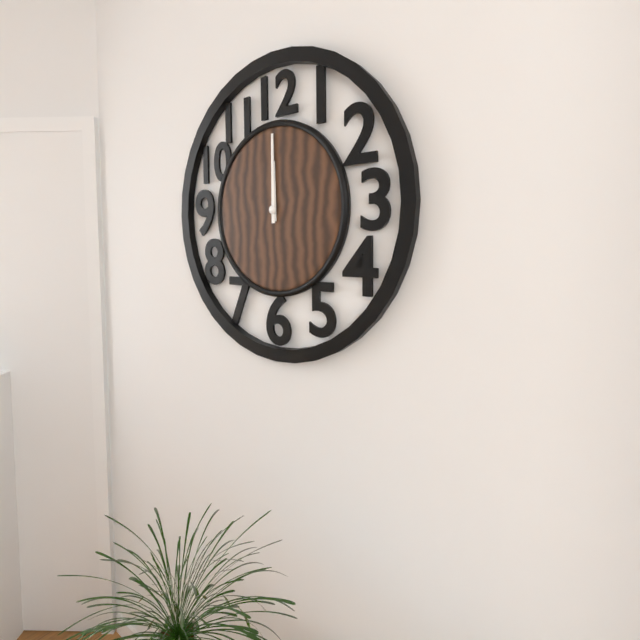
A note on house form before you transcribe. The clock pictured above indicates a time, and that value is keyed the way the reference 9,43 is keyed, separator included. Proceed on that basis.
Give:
12,00
